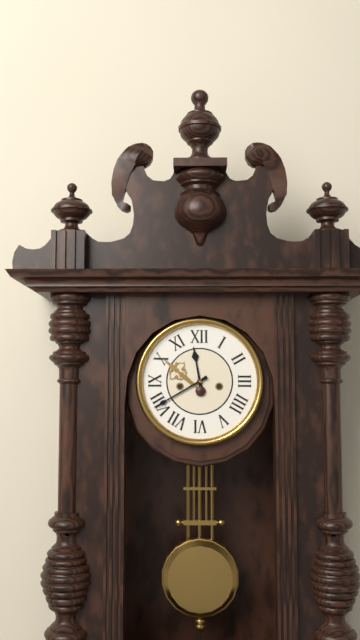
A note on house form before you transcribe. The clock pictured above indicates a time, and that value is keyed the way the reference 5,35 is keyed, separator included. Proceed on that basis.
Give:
11,40
